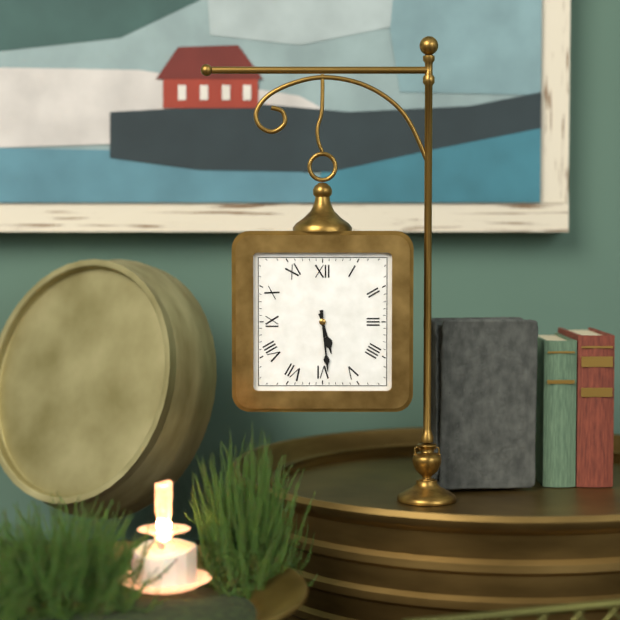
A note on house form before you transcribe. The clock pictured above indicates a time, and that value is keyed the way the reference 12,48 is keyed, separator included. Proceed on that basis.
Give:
5,29
